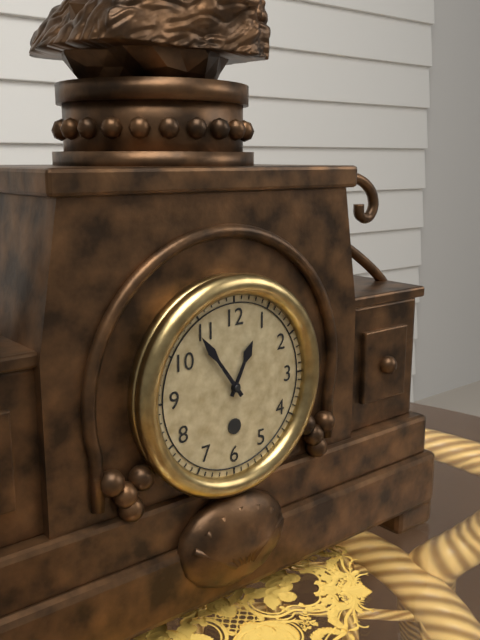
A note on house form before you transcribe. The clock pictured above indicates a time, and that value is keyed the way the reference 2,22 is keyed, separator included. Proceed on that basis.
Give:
12,54
